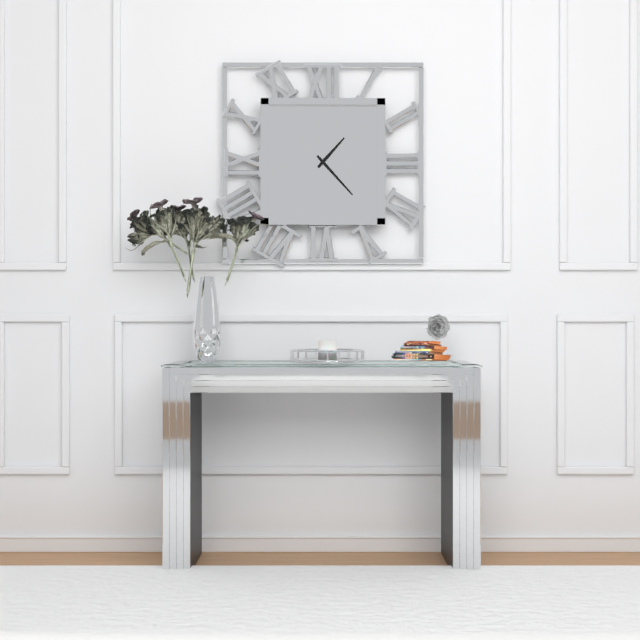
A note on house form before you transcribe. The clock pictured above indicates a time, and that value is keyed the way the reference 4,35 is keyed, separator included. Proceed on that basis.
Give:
1,23
